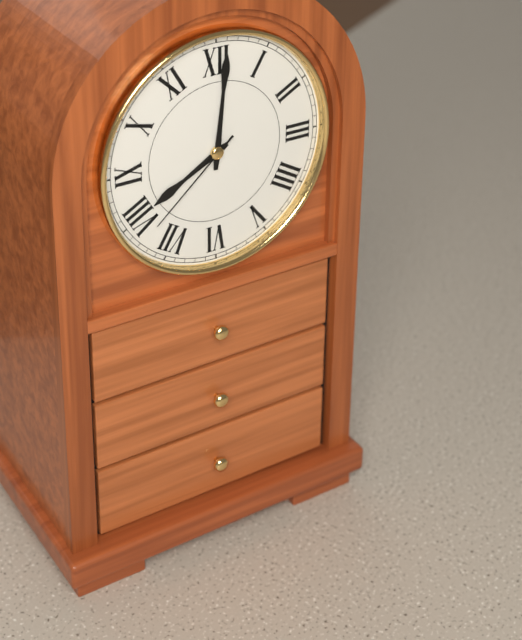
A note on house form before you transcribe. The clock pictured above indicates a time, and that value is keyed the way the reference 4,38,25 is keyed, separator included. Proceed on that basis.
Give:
8,01,38
